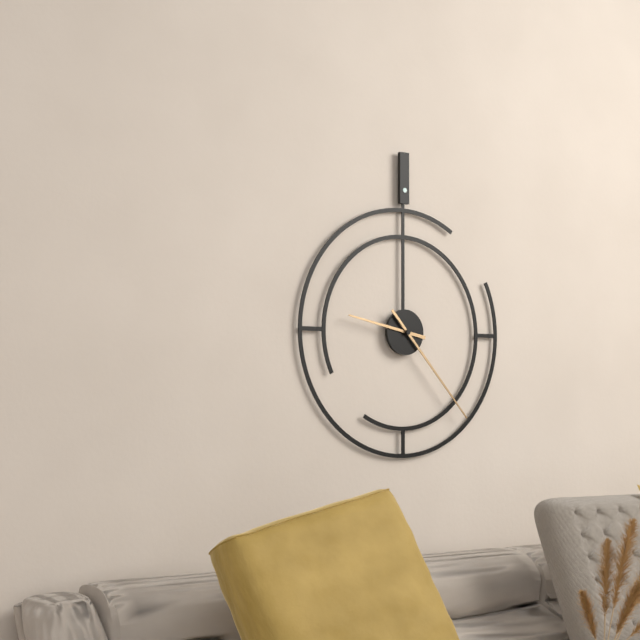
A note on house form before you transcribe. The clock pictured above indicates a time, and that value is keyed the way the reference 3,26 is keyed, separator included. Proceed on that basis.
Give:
9,23
